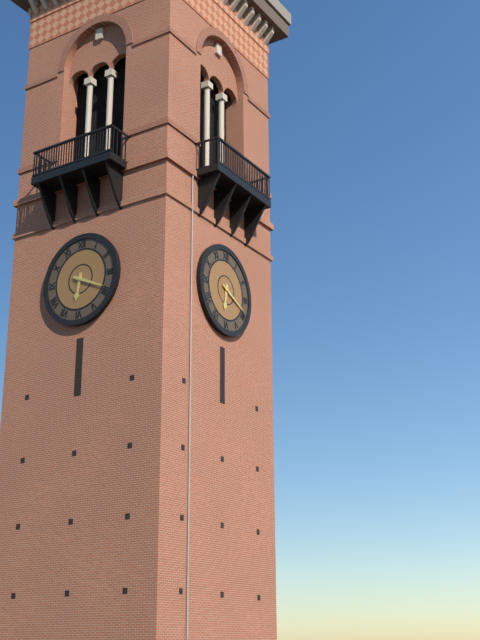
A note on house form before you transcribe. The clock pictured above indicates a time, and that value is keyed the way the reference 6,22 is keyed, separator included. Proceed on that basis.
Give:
6,19
